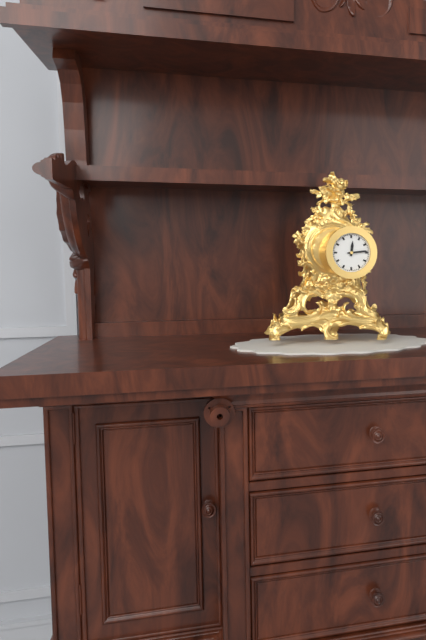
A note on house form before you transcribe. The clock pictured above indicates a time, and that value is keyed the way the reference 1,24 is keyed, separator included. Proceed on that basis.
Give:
12,14
